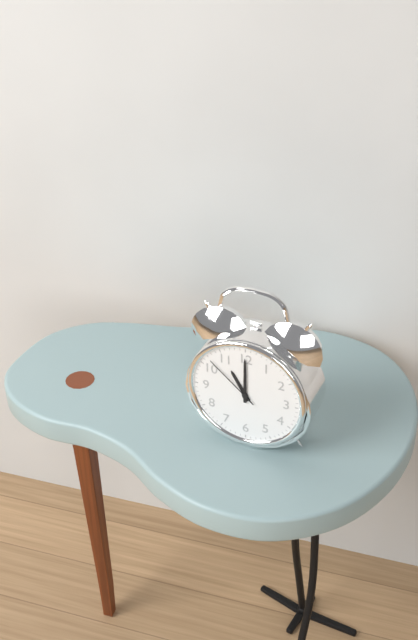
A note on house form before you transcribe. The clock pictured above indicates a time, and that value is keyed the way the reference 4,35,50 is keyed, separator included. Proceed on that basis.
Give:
11,00,52
